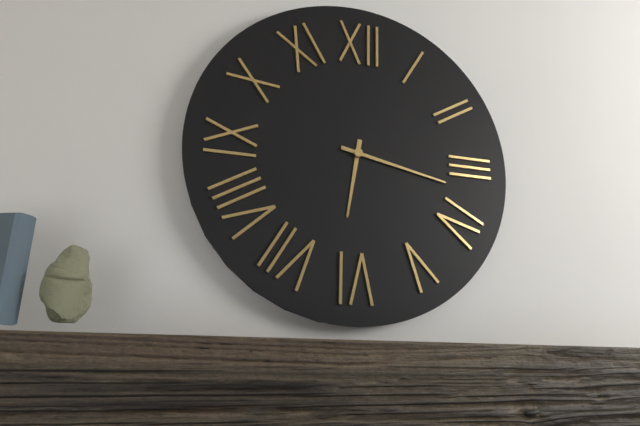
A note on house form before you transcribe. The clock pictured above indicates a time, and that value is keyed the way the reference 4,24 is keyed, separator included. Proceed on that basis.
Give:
6,17
